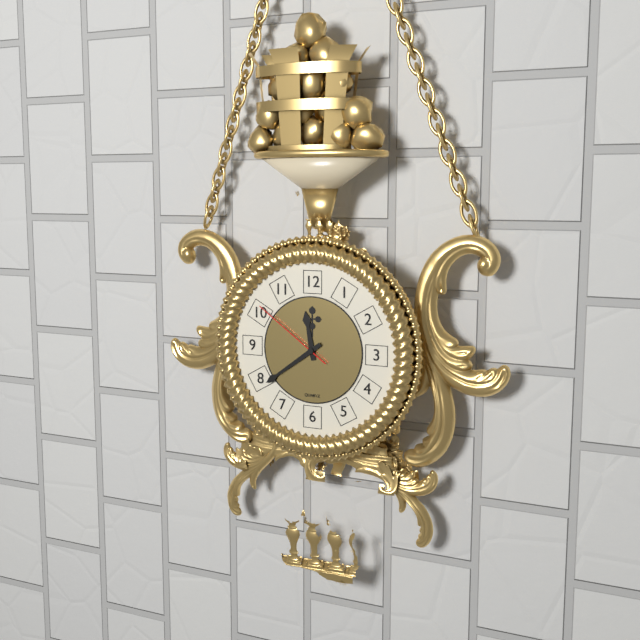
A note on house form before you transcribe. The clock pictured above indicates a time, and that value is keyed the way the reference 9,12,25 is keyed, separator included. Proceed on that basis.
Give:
11,39,51
